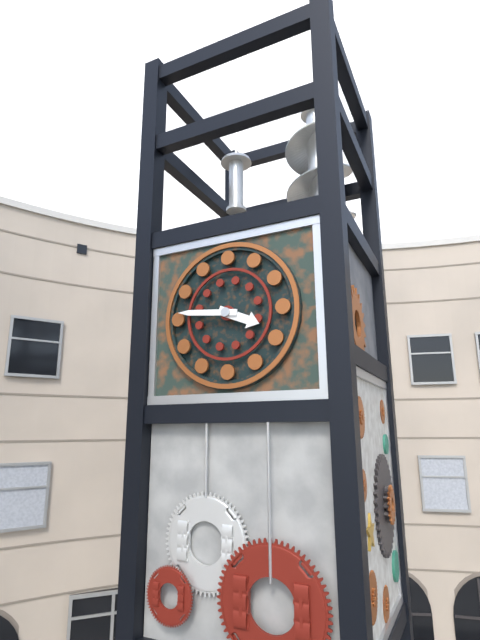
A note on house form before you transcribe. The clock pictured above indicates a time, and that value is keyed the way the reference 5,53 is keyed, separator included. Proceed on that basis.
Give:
3,46
